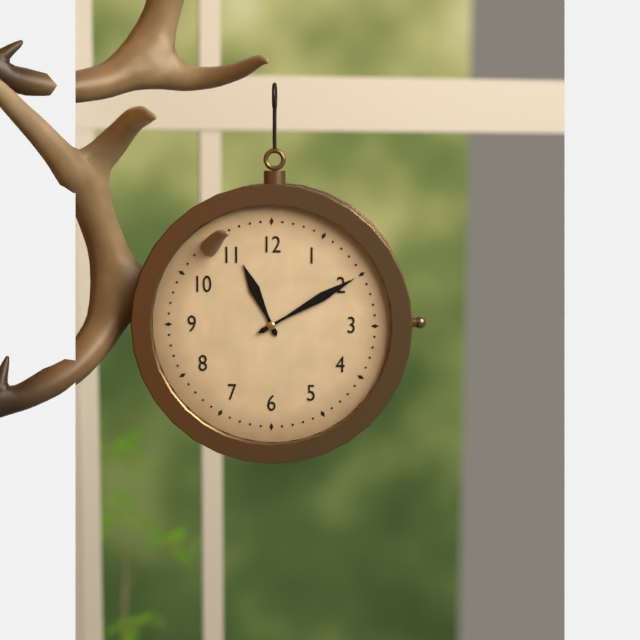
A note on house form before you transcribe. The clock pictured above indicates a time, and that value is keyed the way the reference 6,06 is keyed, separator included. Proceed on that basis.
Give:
11,10
